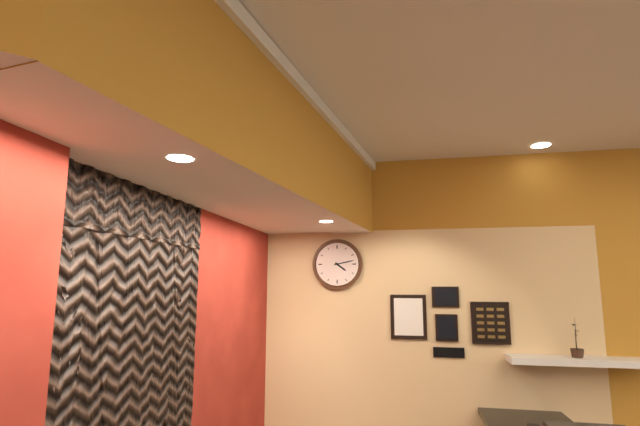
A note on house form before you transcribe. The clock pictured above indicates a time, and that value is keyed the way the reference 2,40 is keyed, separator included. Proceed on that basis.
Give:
4,13
